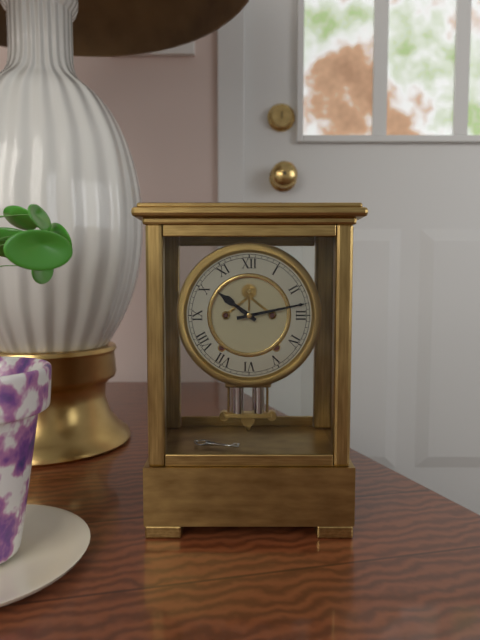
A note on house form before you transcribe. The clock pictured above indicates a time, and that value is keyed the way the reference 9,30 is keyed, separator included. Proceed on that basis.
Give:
10,13
